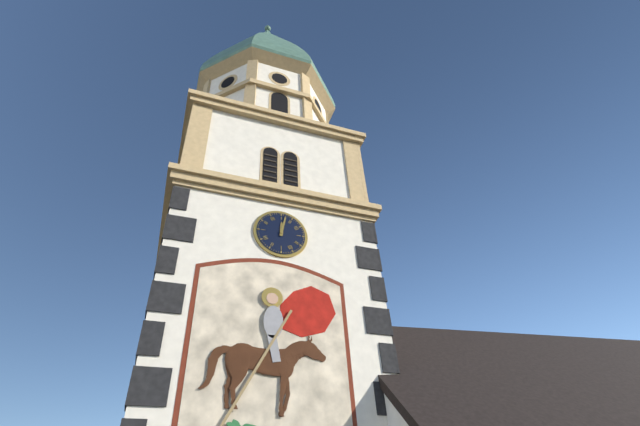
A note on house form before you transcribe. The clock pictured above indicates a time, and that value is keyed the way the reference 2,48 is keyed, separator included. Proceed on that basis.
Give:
12,02
